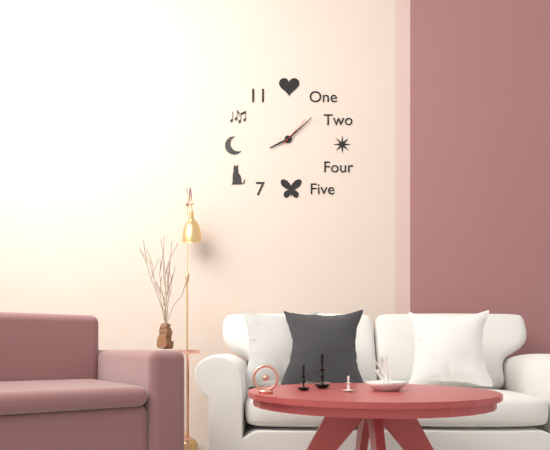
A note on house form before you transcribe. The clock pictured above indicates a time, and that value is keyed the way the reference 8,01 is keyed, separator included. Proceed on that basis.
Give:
8,08
